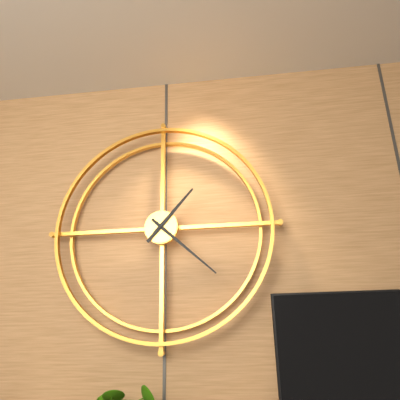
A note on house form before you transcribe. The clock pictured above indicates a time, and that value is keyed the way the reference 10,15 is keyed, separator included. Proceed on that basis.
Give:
1,22
